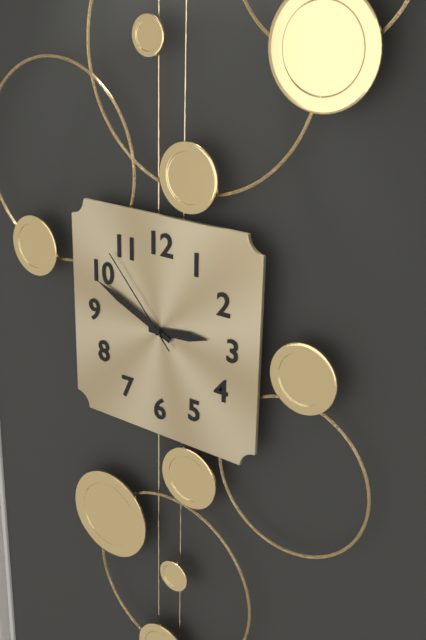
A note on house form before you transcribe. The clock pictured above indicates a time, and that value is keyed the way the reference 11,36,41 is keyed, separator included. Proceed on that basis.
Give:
2,49,53
